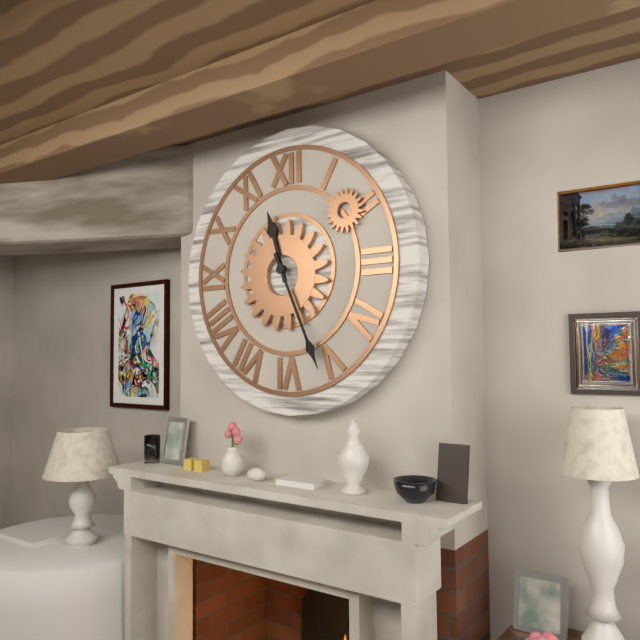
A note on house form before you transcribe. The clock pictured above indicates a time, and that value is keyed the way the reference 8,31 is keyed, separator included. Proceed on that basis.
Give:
11,26
